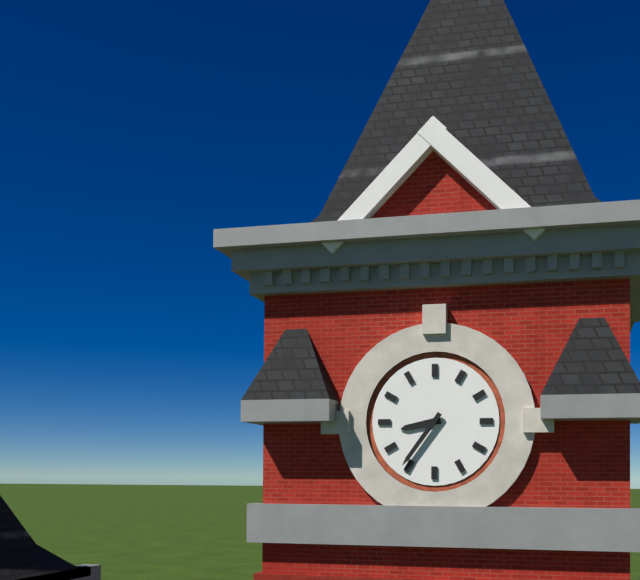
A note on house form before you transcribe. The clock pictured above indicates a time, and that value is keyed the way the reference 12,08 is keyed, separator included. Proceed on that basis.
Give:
8,36
